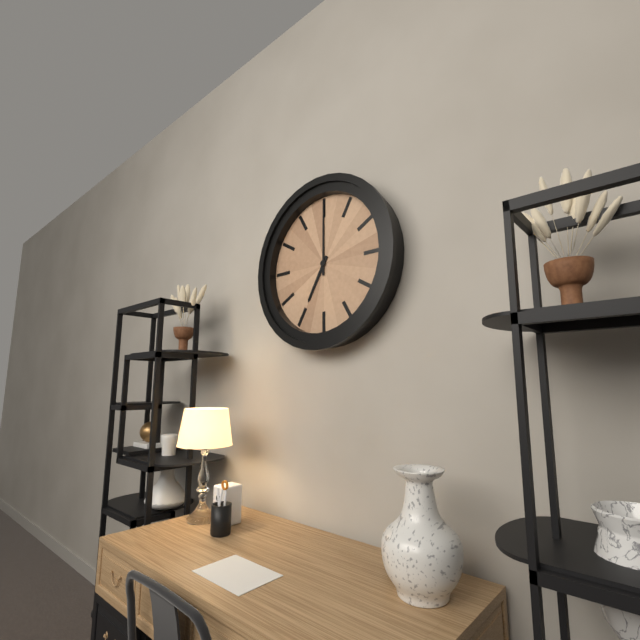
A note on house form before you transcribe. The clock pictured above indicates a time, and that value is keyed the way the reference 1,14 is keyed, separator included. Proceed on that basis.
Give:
7,00
